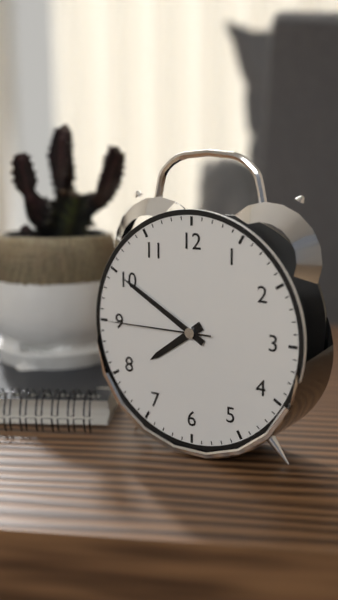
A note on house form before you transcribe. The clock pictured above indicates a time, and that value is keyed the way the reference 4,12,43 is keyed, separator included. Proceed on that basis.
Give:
7,50,45
